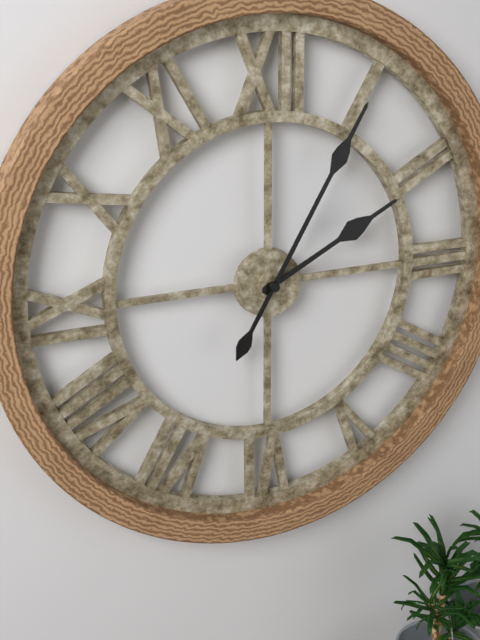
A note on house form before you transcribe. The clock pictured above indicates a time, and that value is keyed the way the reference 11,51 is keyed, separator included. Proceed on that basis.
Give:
2,05
